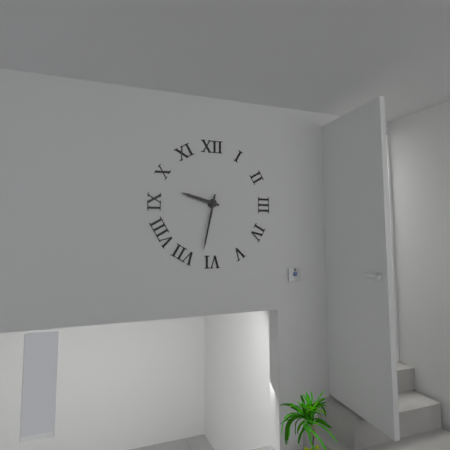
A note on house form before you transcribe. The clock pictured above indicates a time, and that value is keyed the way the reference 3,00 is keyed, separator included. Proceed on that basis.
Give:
9,32
